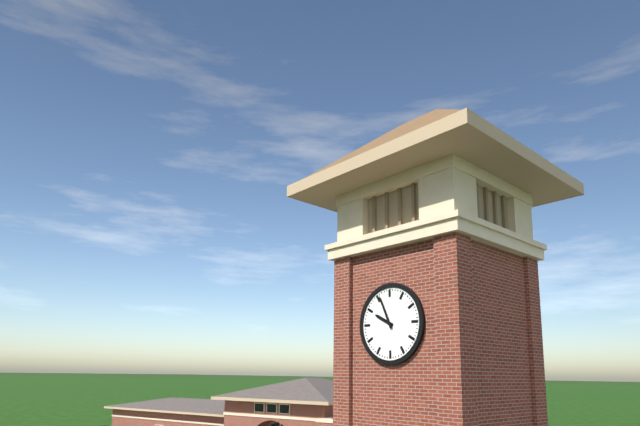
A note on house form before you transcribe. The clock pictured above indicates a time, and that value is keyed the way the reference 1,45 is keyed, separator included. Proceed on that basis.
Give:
9,56
